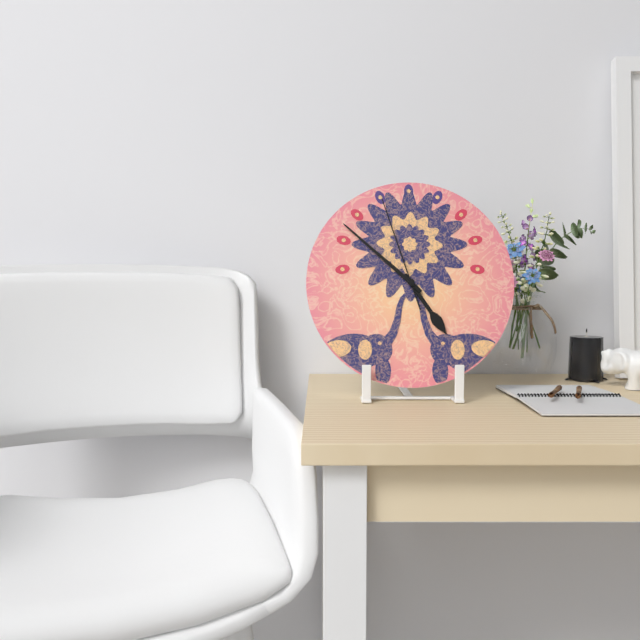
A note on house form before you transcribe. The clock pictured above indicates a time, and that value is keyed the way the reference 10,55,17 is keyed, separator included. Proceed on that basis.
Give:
4,52,57
